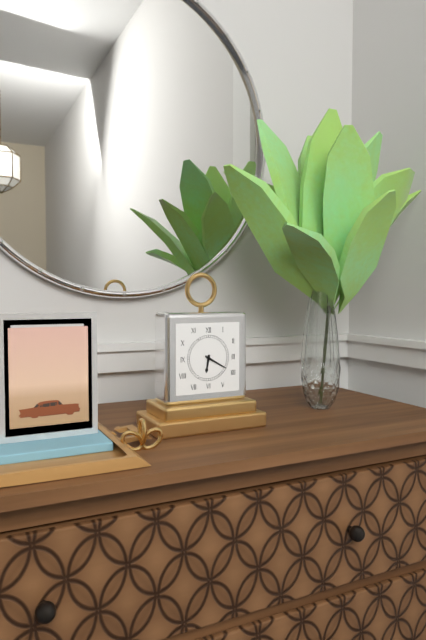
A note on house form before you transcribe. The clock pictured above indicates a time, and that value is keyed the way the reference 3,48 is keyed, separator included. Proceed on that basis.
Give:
6,20
